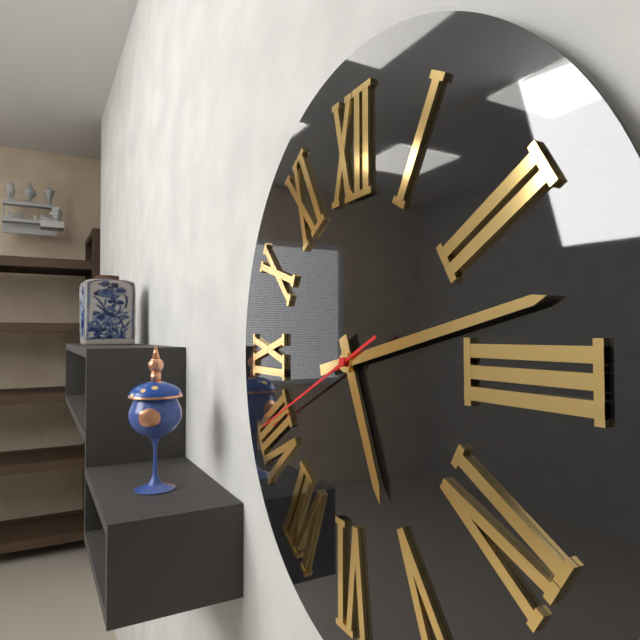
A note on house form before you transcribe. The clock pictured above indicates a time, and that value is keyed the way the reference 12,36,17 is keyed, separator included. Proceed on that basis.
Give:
5,13,41
